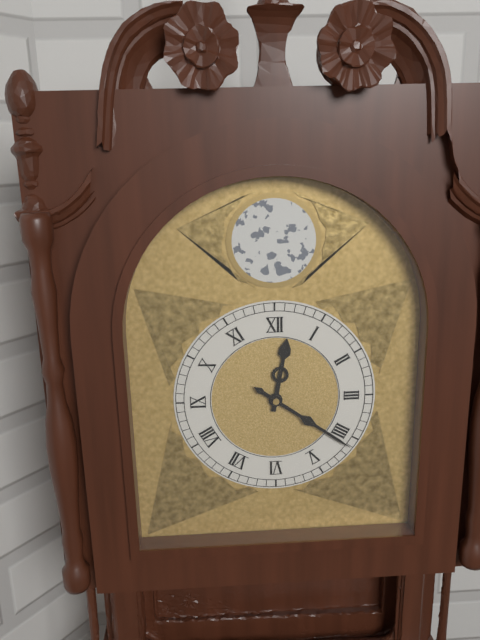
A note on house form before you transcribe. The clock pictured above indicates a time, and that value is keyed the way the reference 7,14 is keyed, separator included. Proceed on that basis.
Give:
12,21
